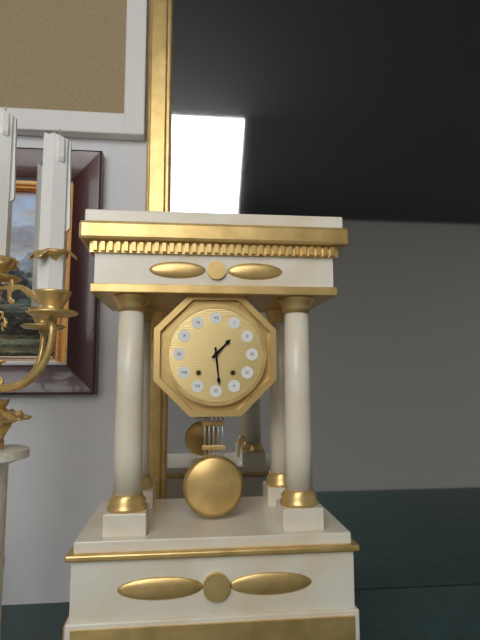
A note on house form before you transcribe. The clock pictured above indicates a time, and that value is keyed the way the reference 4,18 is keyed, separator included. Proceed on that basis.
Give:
1,29
